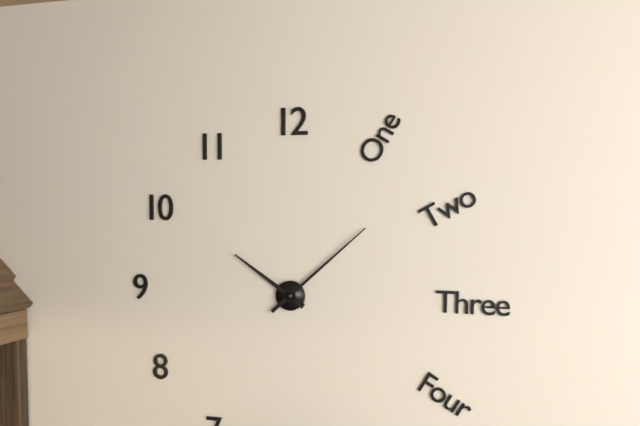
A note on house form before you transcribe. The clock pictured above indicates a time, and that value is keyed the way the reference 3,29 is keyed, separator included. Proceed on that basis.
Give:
10,08
